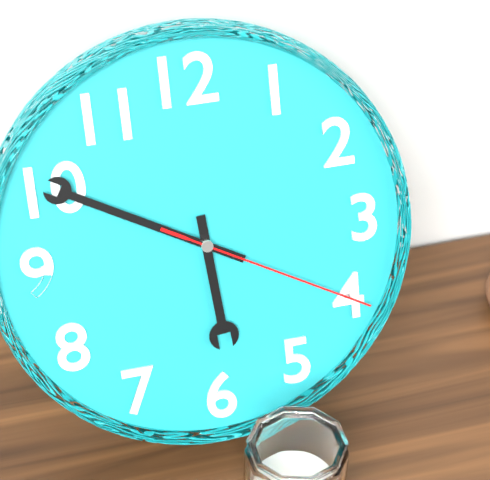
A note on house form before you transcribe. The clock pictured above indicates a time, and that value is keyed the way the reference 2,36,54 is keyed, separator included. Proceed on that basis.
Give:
5,50,20
